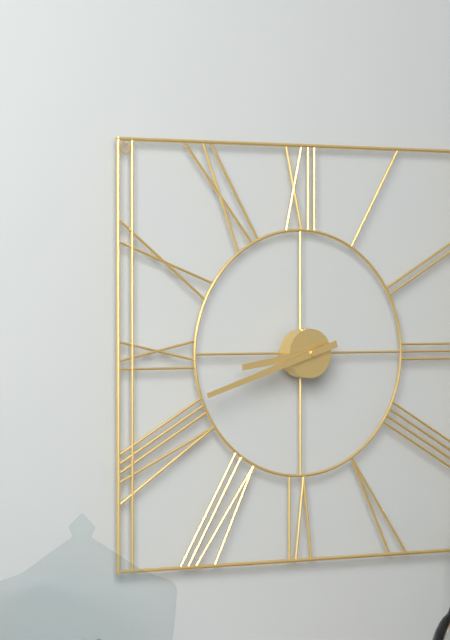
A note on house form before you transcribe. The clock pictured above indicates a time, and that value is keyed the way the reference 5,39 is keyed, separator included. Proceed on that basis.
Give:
8,42
